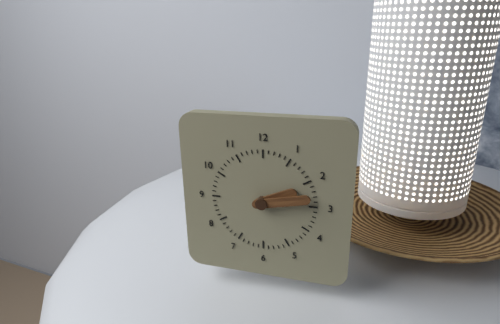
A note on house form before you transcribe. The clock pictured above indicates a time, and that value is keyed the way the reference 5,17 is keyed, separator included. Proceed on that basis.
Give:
2,13
